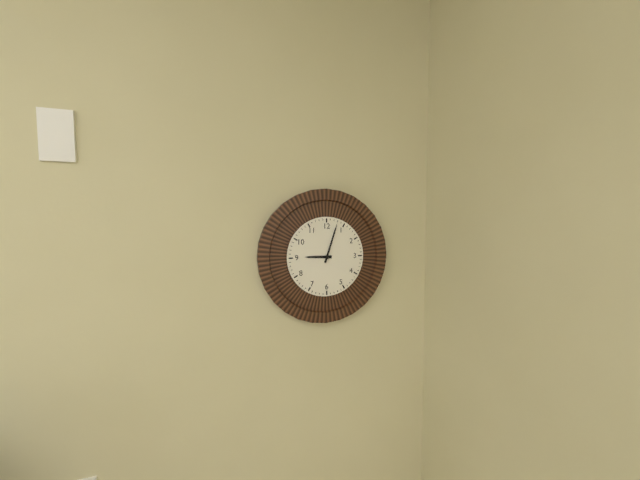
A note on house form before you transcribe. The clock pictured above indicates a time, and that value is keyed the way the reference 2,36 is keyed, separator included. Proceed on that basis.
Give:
9,03
